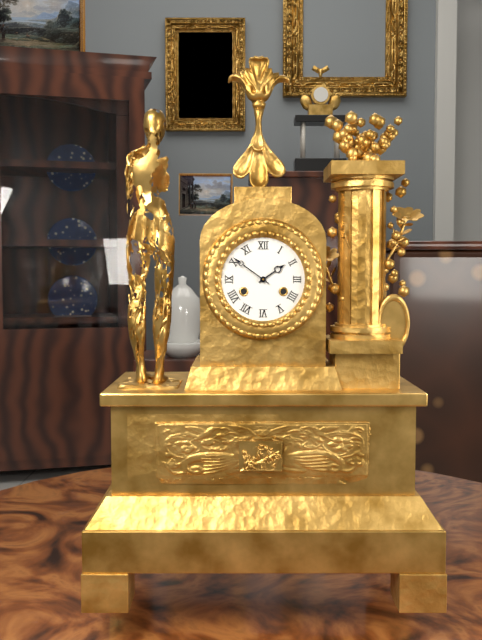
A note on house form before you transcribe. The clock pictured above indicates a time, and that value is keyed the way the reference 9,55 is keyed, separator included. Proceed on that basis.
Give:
1,51
